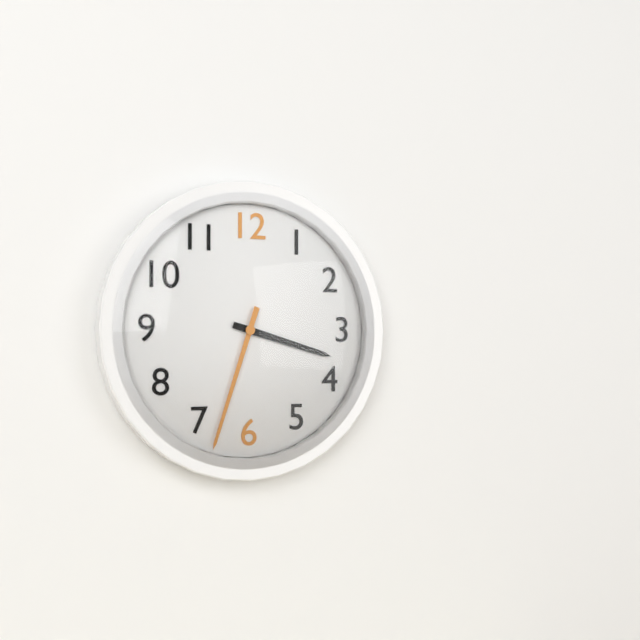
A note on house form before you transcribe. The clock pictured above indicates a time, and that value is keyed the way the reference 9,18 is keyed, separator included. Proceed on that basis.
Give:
3,33
